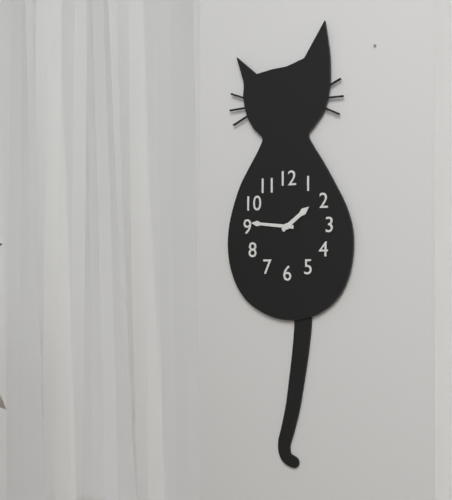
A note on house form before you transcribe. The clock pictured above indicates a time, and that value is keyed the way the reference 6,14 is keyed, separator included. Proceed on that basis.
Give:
1,46
